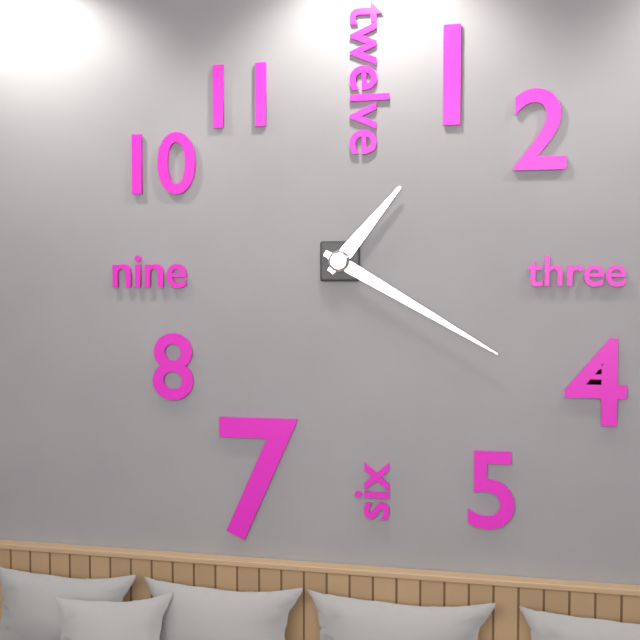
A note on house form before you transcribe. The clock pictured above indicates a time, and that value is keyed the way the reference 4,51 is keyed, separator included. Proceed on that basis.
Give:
1,20
